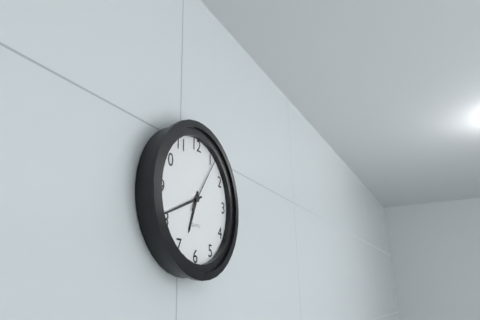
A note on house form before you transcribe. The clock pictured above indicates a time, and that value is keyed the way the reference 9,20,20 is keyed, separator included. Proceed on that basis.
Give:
6,41,06
